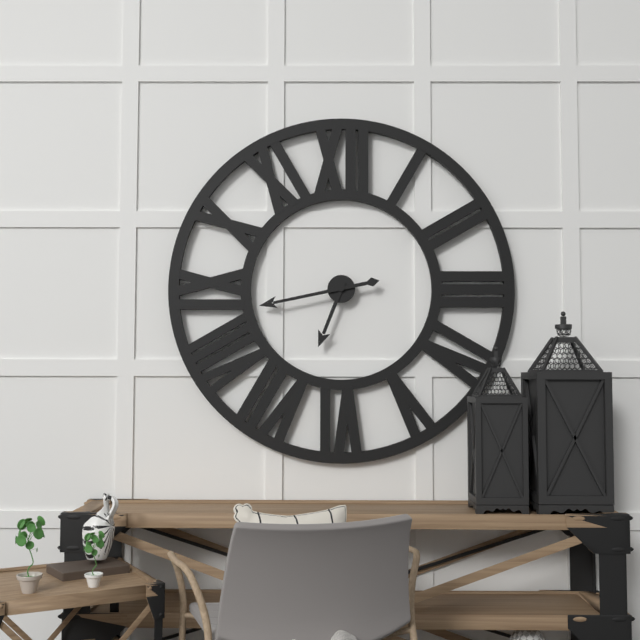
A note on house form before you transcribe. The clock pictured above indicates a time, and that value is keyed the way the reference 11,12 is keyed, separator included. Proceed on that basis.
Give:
6,43
